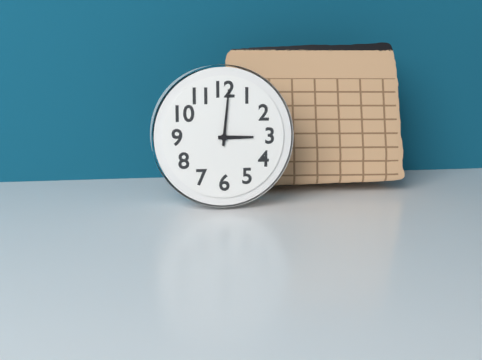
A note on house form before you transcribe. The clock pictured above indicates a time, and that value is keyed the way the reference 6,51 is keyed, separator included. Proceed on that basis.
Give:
3,01
